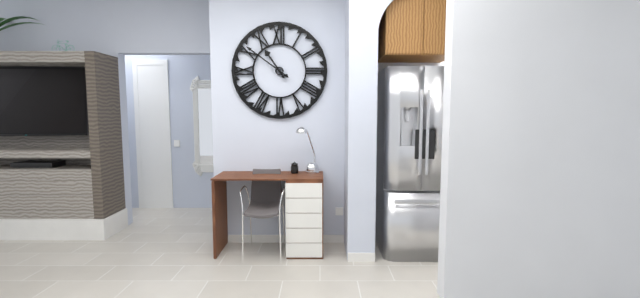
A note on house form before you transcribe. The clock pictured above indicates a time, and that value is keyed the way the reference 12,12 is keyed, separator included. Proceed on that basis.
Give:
10,51
